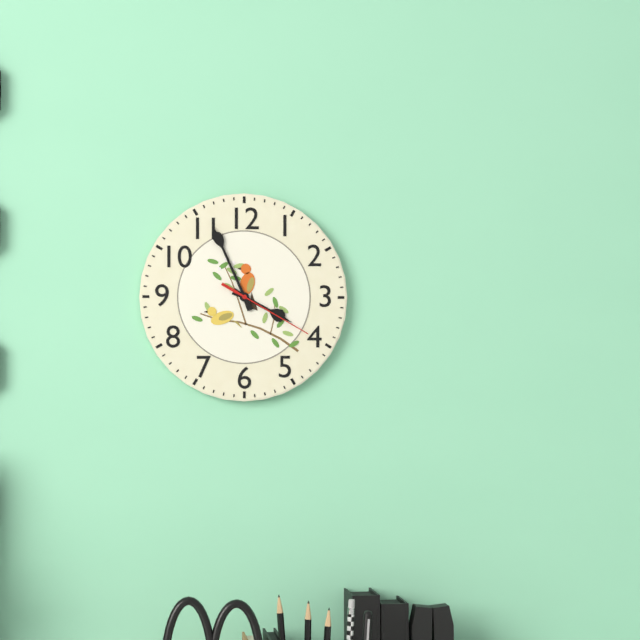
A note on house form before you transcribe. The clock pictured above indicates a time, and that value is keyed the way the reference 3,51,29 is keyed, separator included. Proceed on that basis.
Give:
3,56,20
